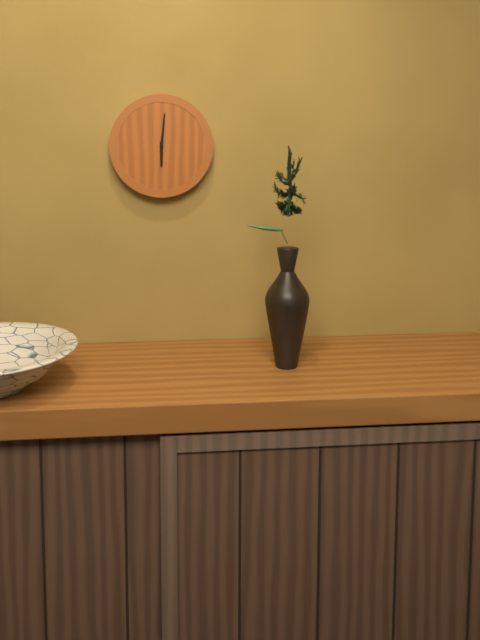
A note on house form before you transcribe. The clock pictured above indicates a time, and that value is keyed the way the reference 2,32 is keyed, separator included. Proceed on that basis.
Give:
6,01
